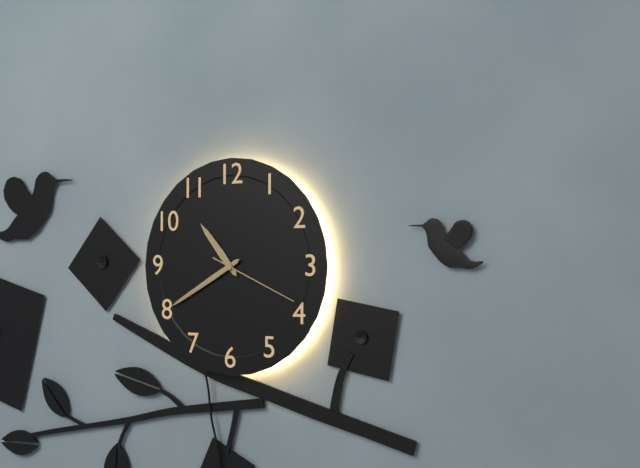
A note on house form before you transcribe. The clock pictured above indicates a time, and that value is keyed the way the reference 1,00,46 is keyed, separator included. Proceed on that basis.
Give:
10,40,19
